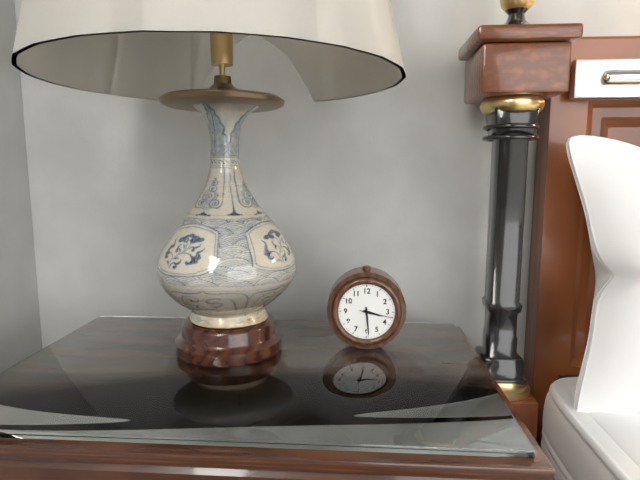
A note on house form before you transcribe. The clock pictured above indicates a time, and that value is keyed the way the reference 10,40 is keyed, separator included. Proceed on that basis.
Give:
3,29
